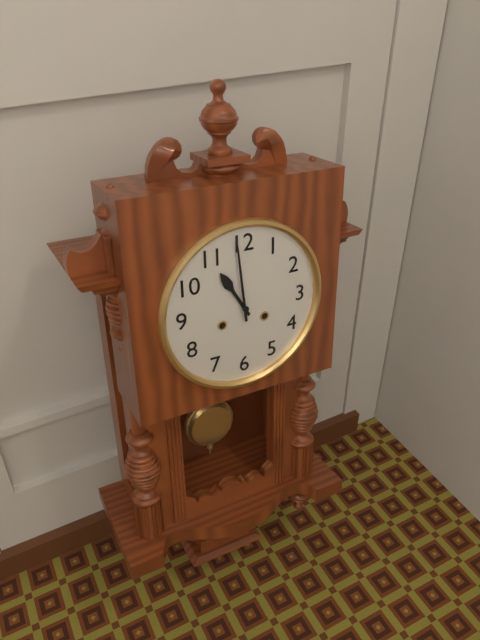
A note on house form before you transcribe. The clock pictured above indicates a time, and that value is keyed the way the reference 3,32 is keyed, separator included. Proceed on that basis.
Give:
10,59
